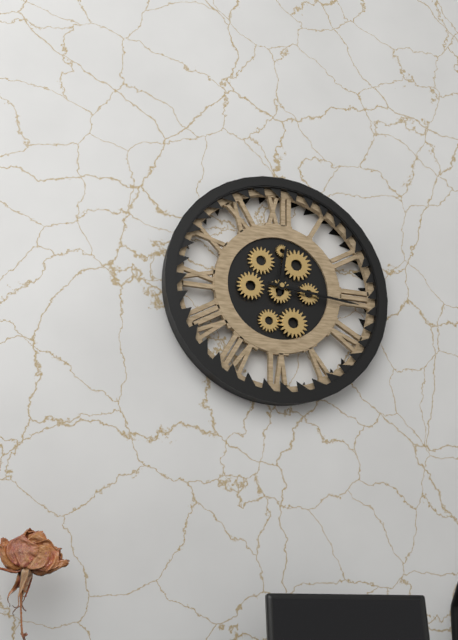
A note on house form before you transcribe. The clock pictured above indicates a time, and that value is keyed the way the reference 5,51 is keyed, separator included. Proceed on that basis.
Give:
12,16
